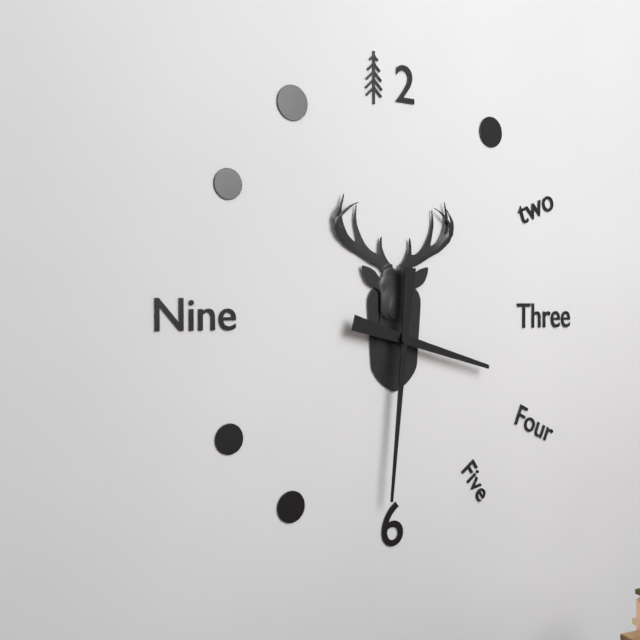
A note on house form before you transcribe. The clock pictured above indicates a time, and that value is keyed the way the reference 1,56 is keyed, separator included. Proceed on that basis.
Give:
3,31
